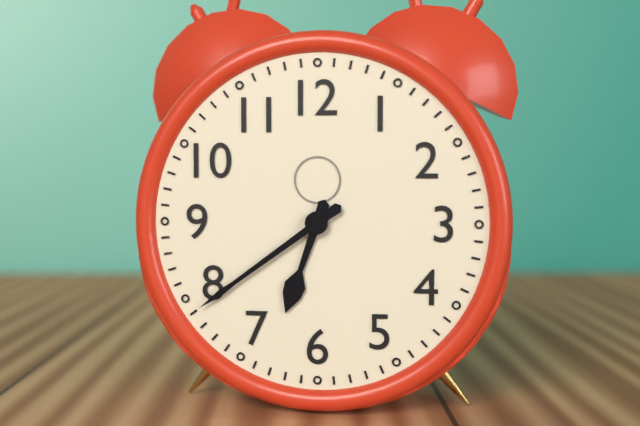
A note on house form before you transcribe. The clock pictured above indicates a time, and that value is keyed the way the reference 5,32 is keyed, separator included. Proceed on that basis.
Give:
6,39
